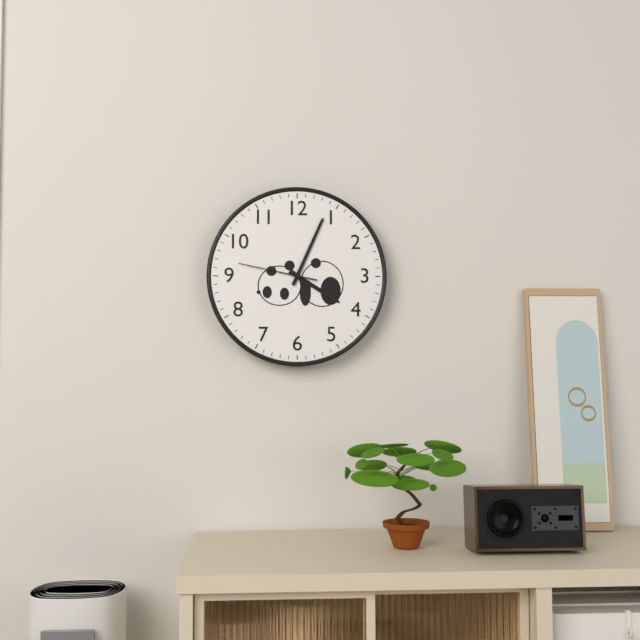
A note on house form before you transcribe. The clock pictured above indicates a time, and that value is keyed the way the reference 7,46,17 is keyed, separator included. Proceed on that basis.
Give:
4,04,47
